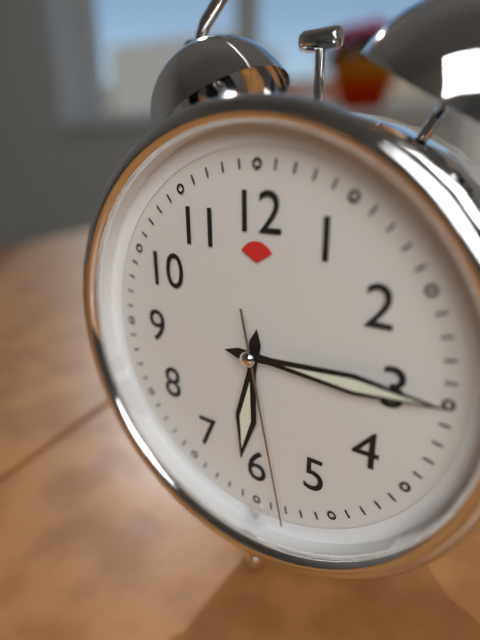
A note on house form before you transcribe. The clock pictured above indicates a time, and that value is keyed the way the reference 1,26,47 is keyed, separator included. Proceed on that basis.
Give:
6,15,28
